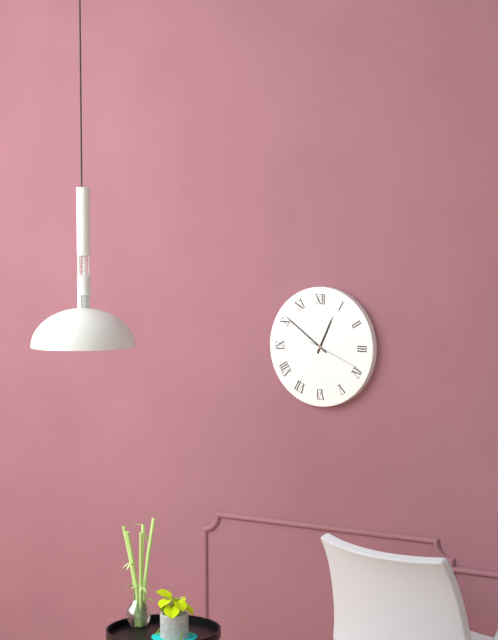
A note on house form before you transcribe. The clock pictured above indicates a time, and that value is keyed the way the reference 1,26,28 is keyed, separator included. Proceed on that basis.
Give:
12,51,19
